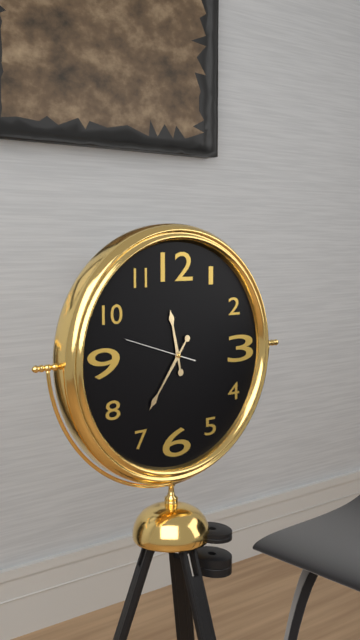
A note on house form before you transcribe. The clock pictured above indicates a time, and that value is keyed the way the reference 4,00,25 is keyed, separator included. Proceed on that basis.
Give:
11,36,48
